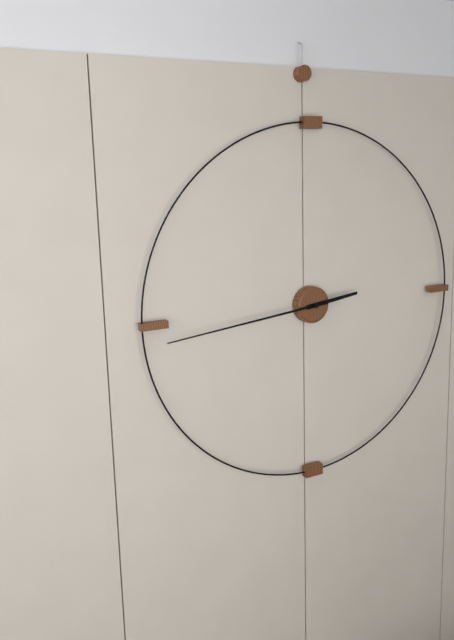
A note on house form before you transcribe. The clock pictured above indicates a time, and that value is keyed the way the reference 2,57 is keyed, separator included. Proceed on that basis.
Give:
2,44
